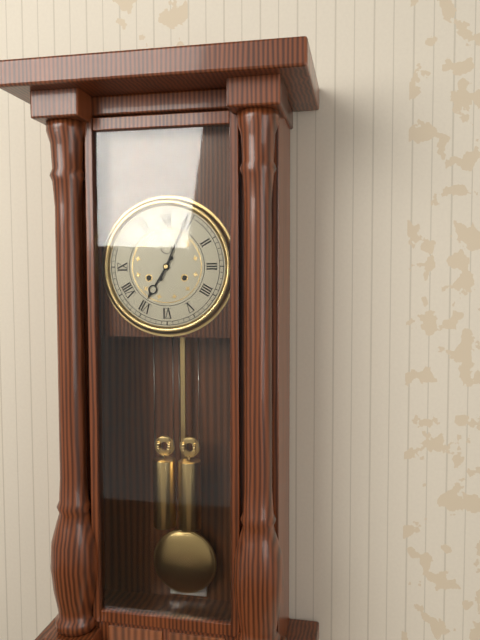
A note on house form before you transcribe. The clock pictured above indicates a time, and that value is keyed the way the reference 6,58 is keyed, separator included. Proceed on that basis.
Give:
7,04
